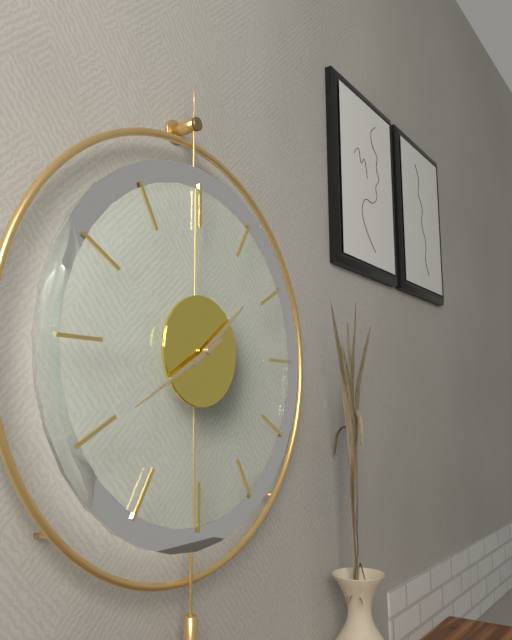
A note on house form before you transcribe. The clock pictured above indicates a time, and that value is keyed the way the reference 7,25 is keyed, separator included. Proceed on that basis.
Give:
1,40
